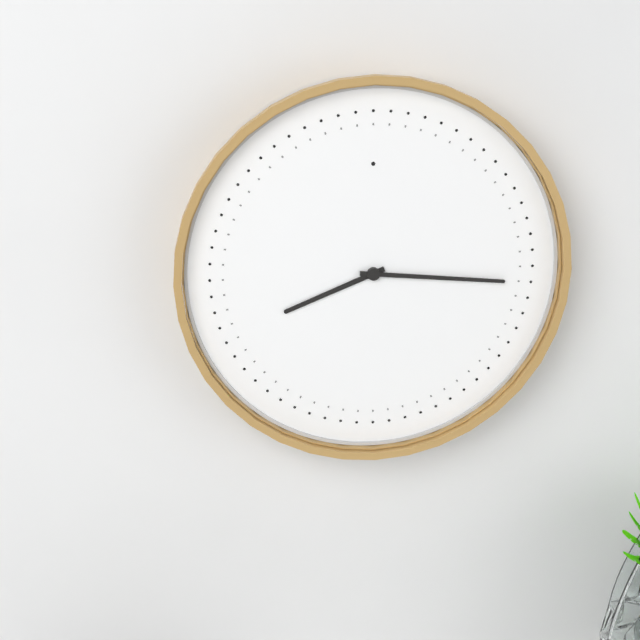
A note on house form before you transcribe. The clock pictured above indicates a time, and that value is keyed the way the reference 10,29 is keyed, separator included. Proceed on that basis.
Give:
8,16
